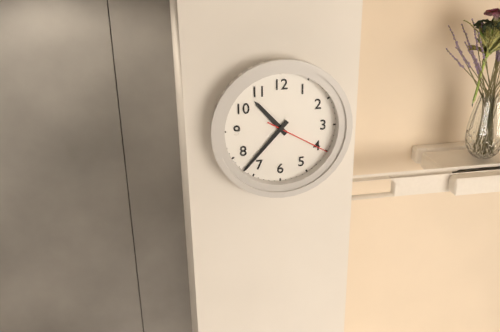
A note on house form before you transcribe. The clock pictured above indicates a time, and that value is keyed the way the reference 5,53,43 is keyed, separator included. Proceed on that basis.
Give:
10,37,20
